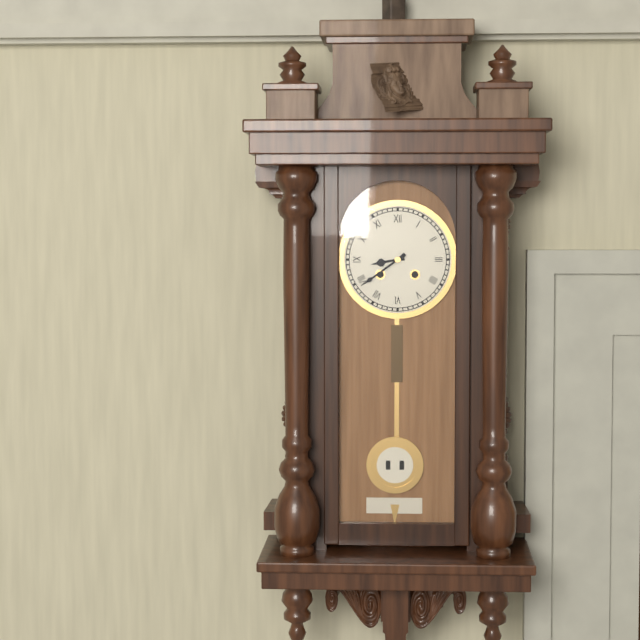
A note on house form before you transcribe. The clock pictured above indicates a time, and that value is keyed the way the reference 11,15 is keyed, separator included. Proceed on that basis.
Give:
8,39
